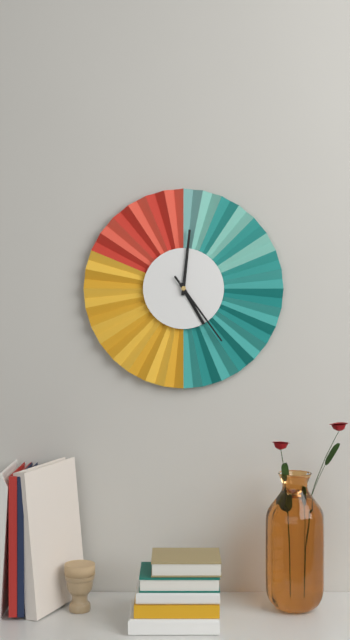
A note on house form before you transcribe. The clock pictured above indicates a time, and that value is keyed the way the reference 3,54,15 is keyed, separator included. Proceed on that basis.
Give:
5,01,24
